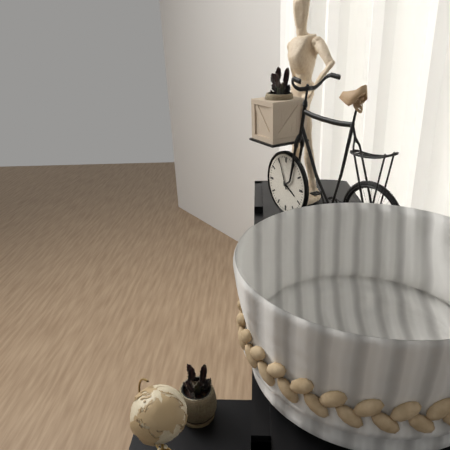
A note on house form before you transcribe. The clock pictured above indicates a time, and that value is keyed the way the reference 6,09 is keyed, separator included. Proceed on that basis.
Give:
3,56
